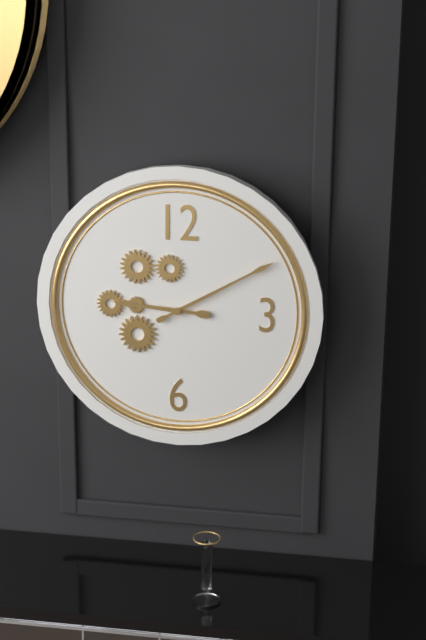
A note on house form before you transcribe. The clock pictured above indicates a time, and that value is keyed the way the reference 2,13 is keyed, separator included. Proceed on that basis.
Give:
9,10
